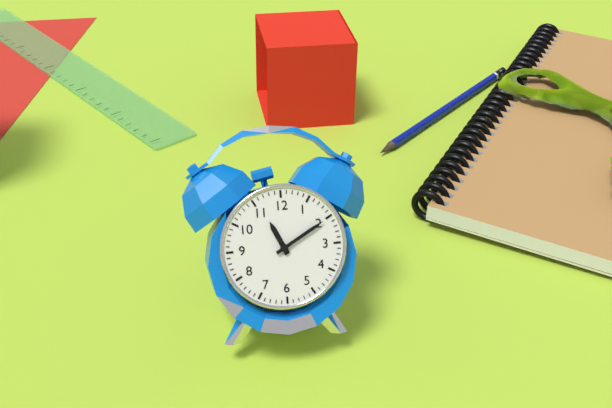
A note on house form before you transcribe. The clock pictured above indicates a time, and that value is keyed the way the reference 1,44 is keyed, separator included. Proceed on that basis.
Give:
11,10
